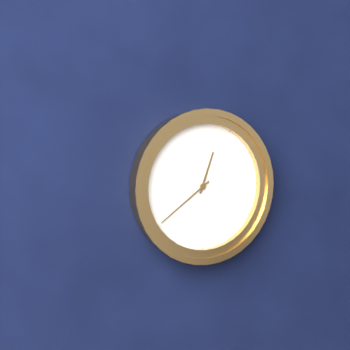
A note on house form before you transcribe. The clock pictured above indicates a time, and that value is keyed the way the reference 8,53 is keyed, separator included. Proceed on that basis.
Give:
12,39
